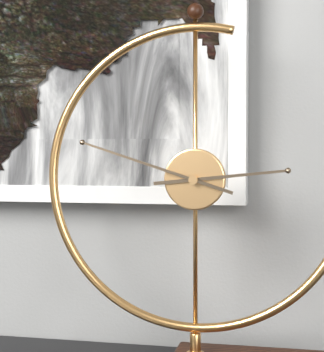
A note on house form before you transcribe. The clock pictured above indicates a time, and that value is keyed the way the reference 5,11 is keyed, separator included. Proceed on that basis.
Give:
2,48
